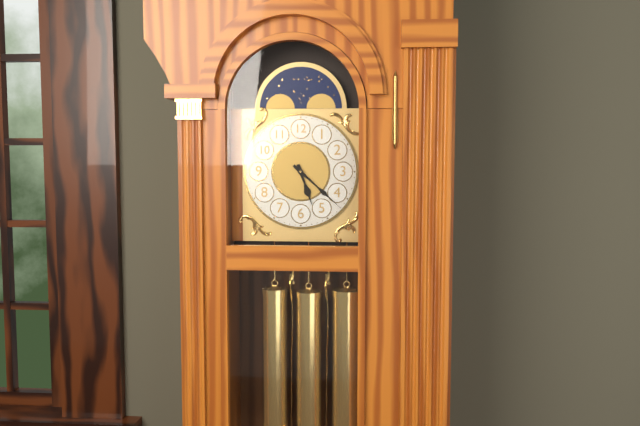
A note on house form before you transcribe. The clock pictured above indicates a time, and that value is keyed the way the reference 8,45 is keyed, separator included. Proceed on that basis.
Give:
5,22
